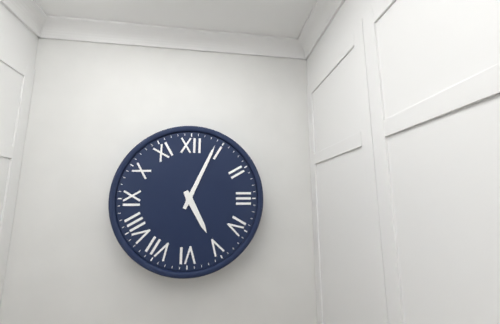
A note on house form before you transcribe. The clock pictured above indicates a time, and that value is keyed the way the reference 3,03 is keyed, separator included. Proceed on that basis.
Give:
5,04
